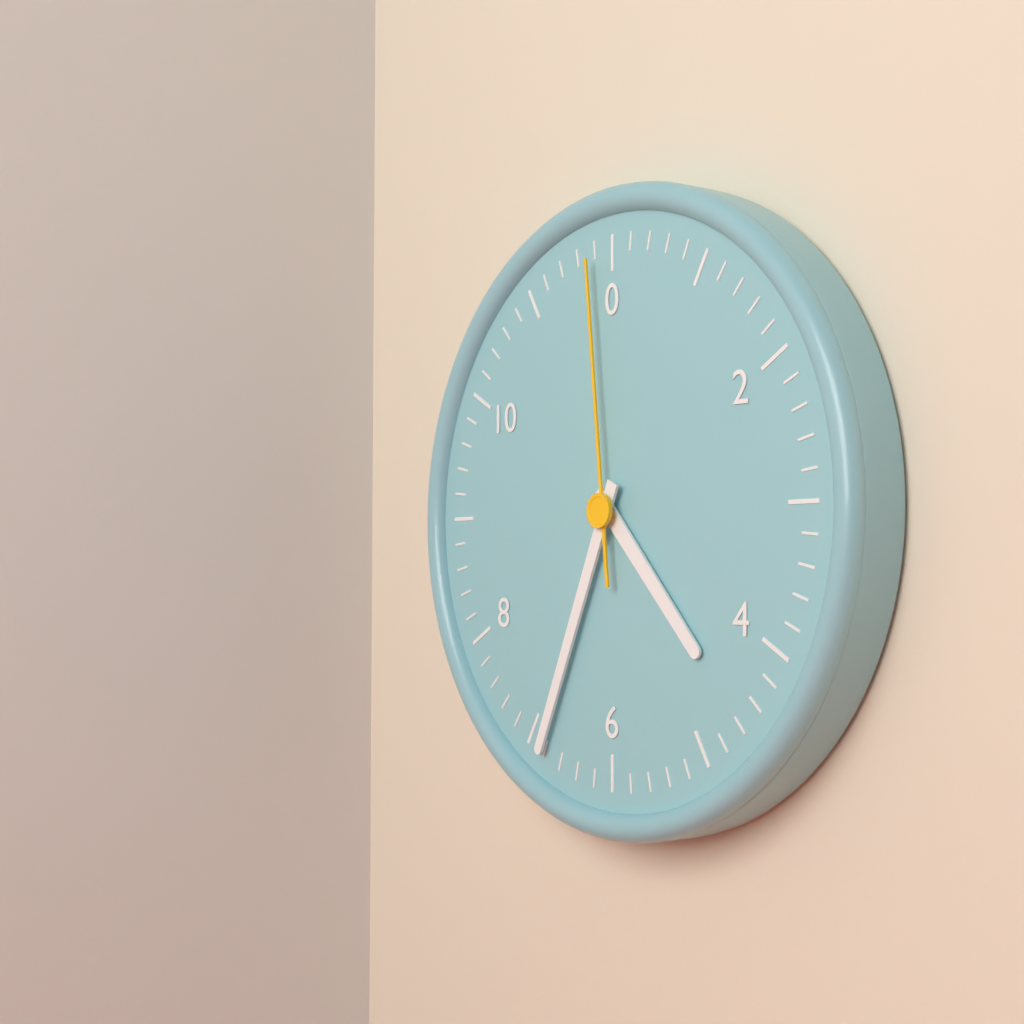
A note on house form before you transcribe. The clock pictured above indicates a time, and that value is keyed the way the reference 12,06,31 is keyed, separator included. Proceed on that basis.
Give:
4,34,59
